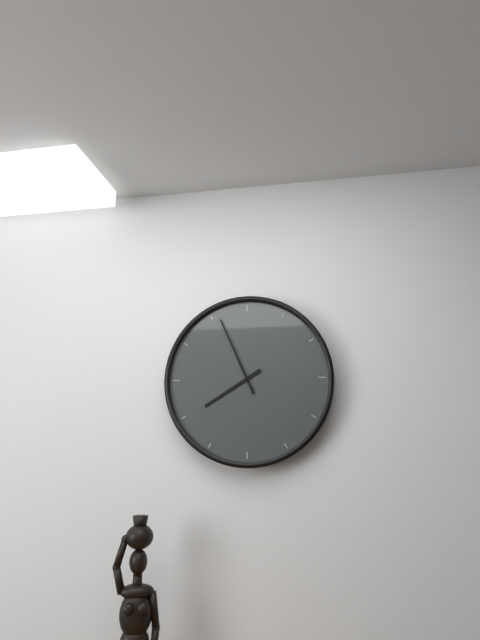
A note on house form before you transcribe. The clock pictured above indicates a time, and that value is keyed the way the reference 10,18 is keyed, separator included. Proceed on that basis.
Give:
7,56
